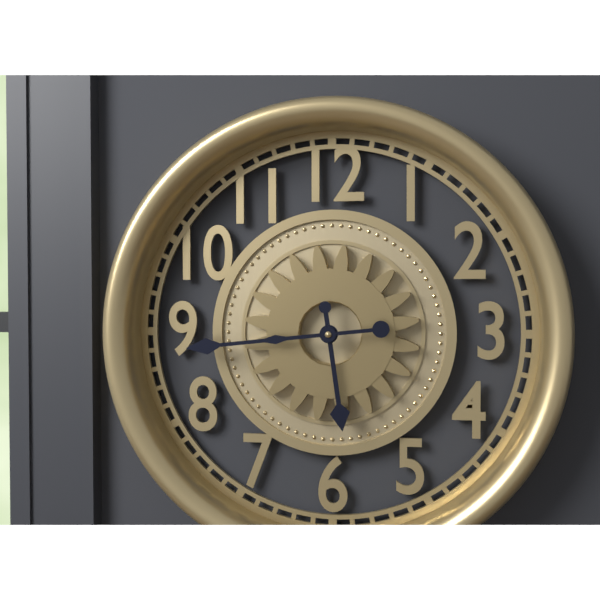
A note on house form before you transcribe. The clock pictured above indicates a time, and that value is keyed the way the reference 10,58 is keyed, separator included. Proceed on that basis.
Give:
5,44
